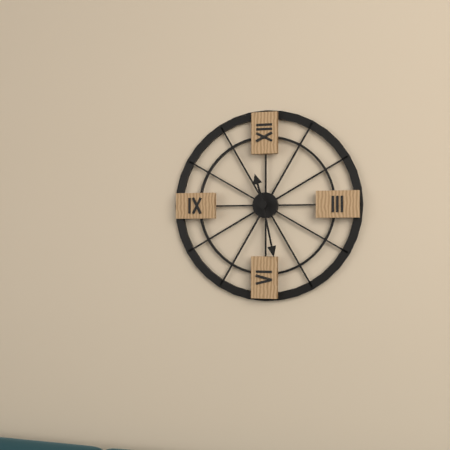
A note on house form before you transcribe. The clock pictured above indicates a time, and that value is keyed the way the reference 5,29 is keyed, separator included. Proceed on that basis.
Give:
11,28
